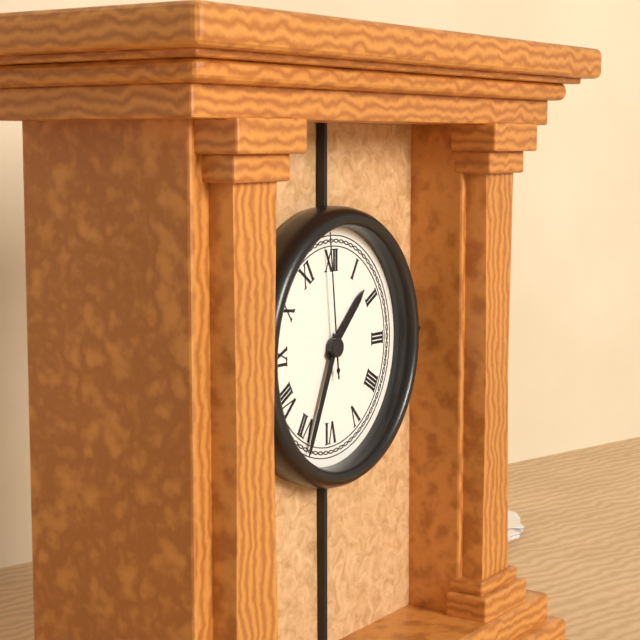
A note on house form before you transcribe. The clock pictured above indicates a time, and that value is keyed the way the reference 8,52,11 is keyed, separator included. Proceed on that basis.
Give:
1,34,59
